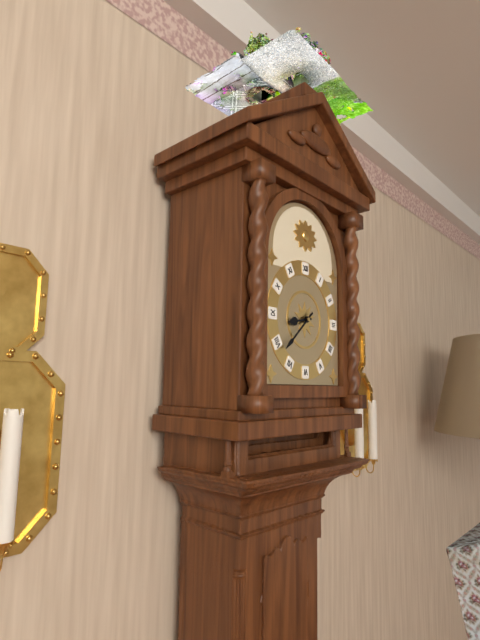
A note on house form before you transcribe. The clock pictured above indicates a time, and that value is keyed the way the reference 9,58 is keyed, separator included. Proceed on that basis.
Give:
8,38
